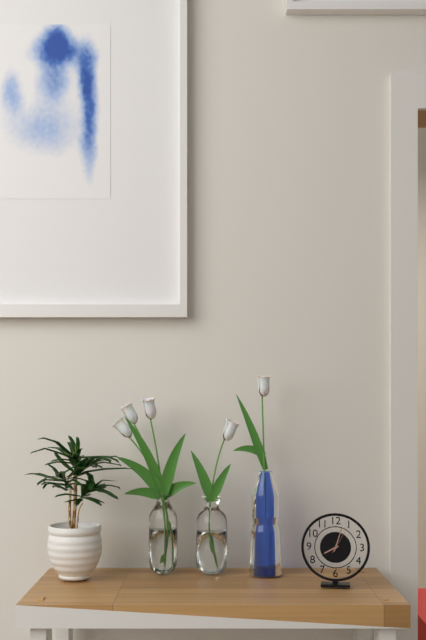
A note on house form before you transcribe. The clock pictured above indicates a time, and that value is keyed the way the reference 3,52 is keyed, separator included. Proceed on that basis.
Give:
8,03
